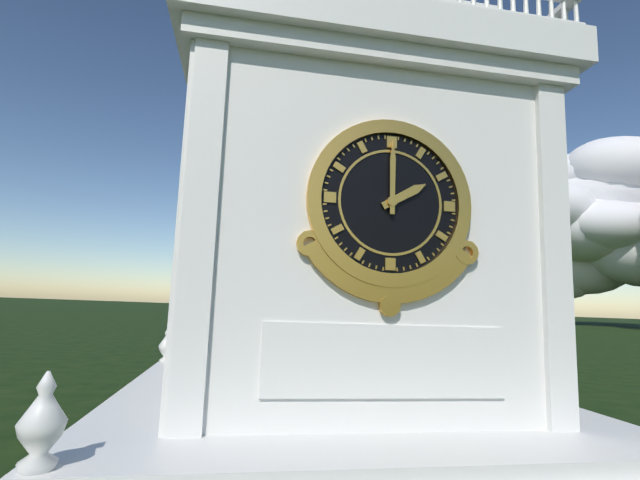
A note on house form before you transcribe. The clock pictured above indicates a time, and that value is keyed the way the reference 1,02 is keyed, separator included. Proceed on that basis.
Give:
2,00
